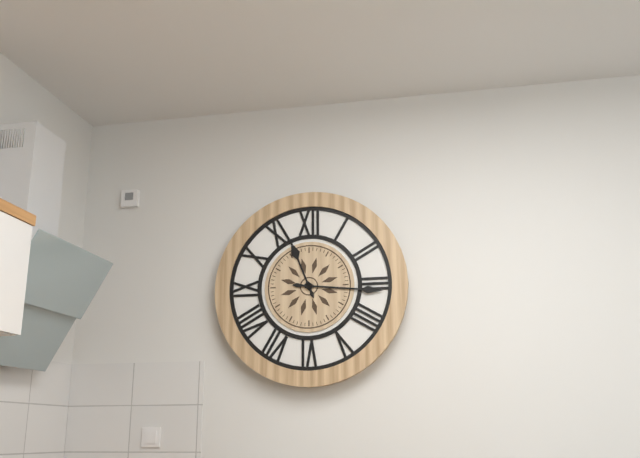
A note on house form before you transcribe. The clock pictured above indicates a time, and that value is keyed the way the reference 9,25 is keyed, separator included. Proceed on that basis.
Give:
11,16
